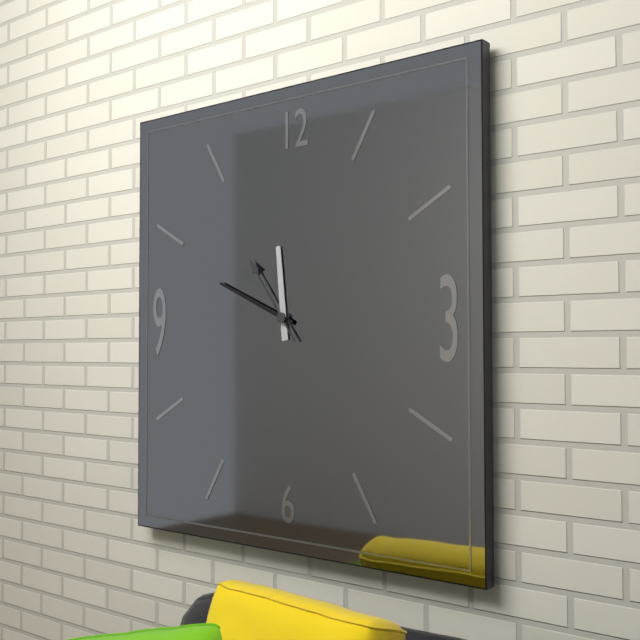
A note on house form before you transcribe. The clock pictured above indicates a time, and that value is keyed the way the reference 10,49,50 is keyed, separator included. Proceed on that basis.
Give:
11,49,54
